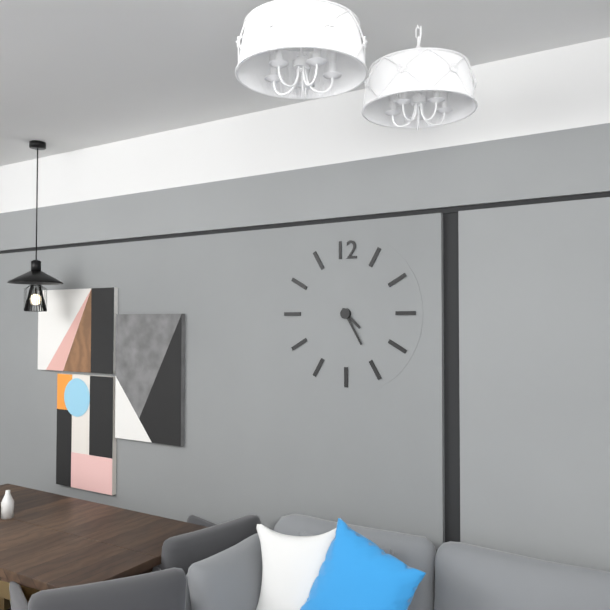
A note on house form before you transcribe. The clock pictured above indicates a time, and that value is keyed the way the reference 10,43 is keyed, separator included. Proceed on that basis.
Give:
4,25
